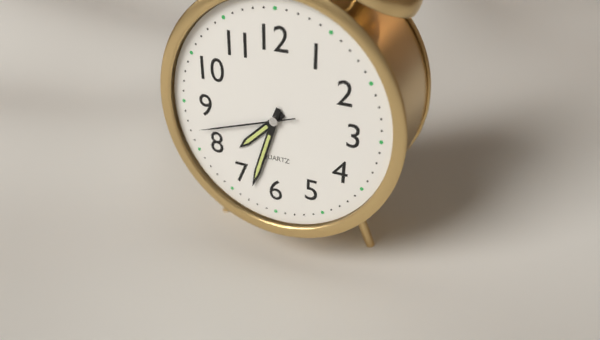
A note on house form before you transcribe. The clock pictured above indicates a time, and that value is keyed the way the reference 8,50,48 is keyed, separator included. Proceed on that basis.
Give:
7,33,42
